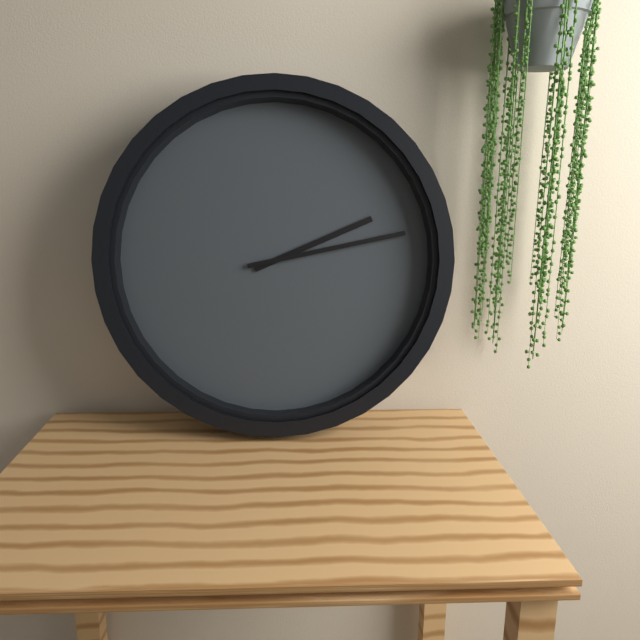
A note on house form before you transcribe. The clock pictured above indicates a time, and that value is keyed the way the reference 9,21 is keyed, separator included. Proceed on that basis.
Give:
2,13
